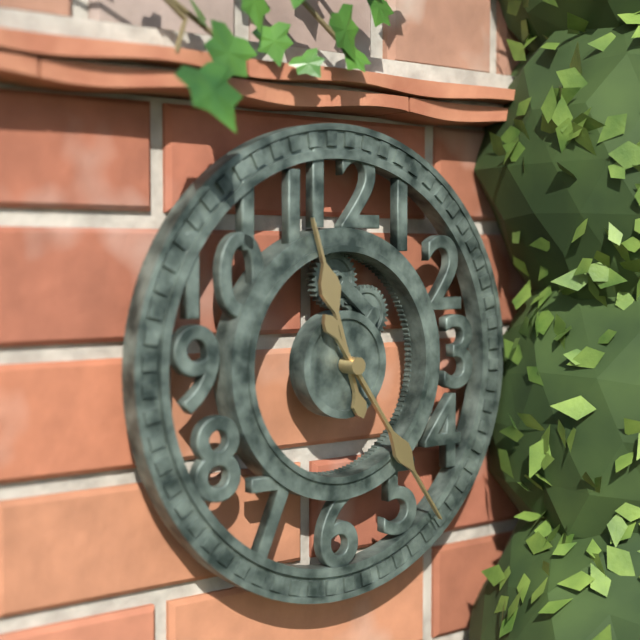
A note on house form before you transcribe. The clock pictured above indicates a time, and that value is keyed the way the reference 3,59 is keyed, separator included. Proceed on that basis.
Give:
11,24
